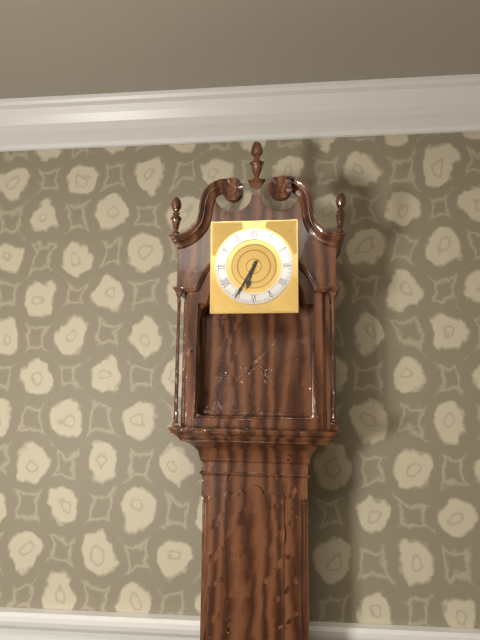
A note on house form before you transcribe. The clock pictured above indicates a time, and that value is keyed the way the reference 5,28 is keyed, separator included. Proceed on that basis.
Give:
6,35
